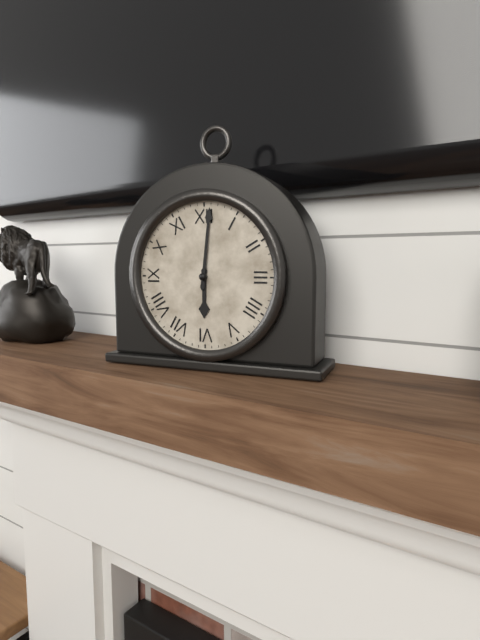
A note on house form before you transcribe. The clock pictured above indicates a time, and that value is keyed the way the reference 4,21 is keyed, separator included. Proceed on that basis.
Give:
6,01
